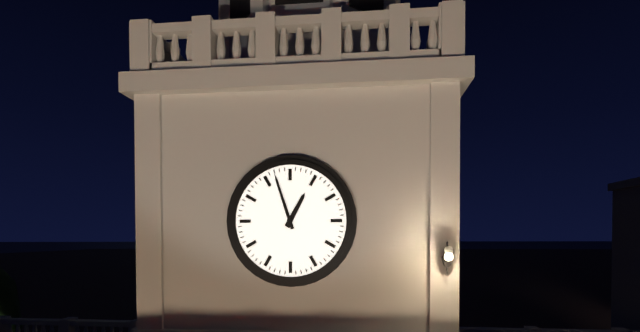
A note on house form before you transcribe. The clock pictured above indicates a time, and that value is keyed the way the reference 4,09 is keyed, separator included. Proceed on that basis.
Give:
12,57
